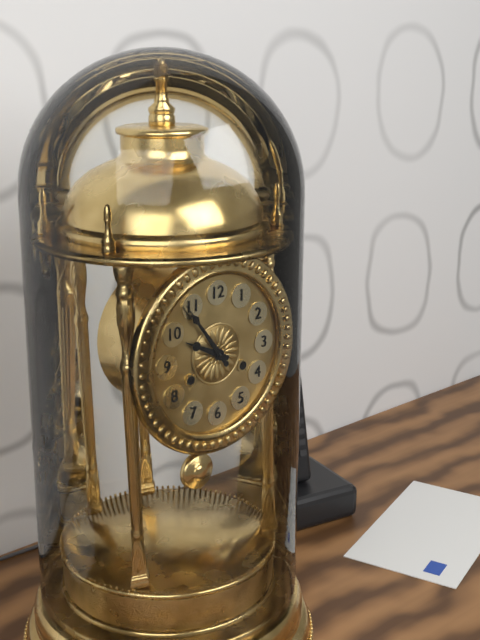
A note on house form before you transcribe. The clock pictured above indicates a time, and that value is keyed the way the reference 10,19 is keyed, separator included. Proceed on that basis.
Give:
9,54
